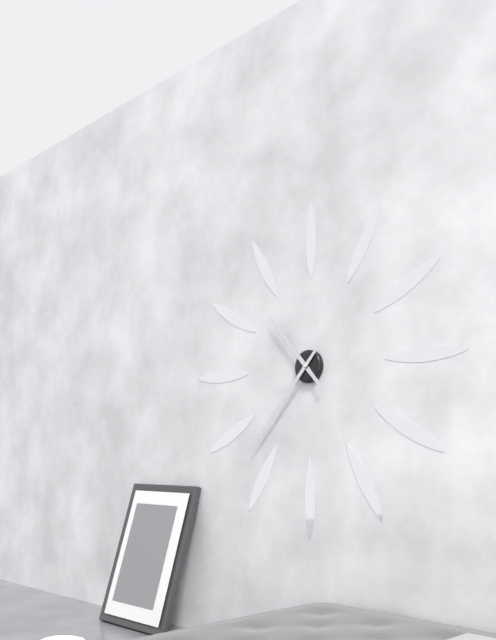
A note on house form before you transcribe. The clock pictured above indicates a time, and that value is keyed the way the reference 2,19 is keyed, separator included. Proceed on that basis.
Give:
10,37
